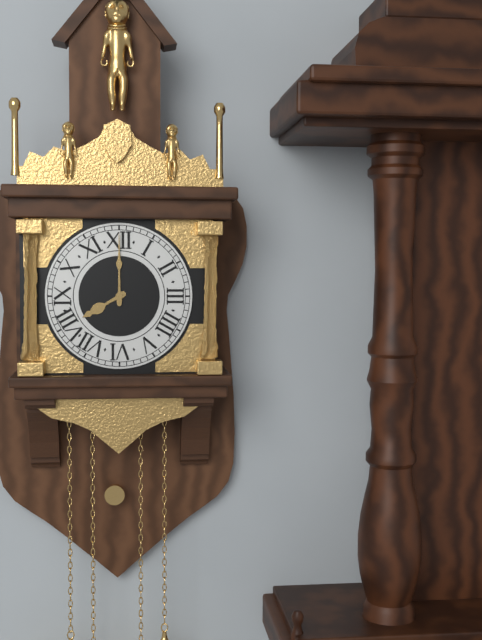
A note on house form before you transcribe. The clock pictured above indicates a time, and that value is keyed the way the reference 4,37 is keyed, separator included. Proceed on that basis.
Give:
8,00
